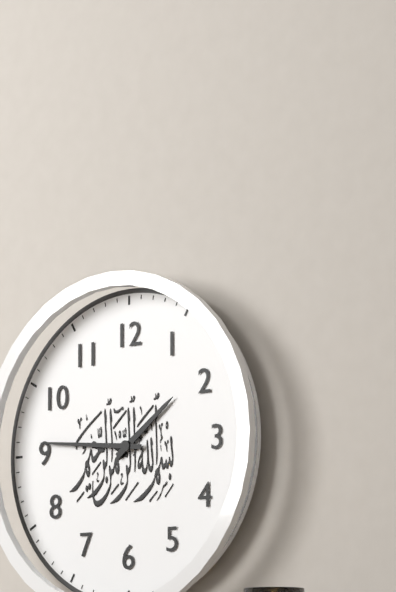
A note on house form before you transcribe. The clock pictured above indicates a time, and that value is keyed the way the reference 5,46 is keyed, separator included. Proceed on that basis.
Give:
1,46
